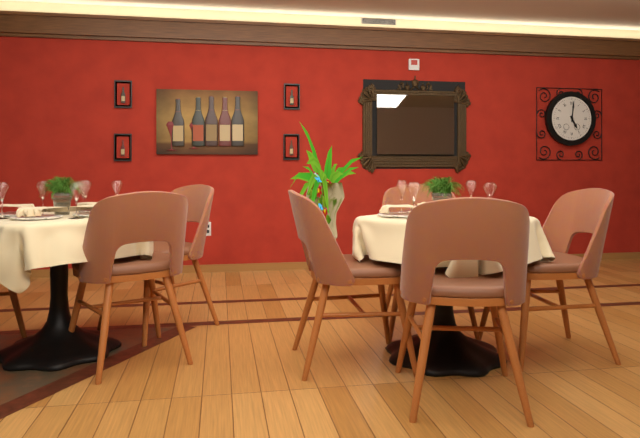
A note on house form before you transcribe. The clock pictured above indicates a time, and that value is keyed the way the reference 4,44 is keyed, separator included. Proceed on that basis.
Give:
5,01
